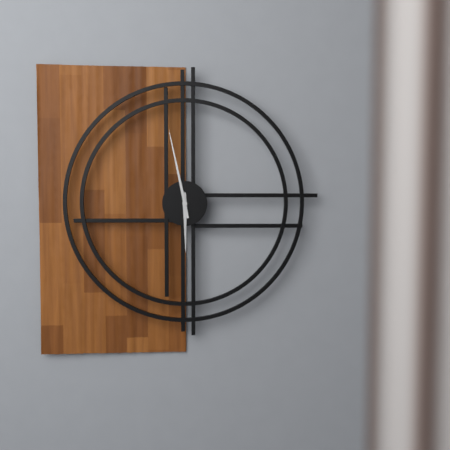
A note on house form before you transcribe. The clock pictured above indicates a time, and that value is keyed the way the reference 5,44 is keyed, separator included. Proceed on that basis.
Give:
5,58
